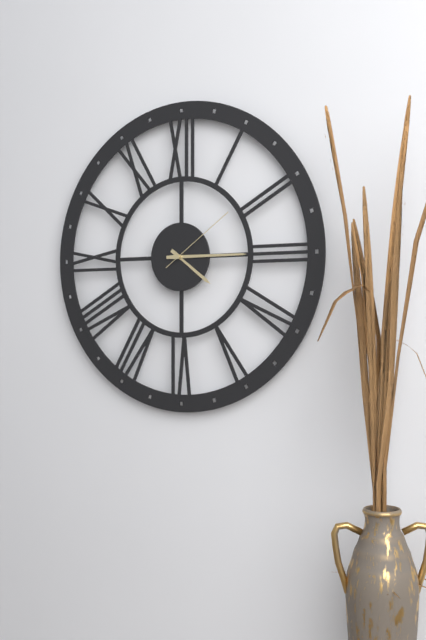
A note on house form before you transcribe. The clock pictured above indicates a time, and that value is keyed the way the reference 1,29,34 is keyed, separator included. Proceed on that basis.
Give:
4,15,09
